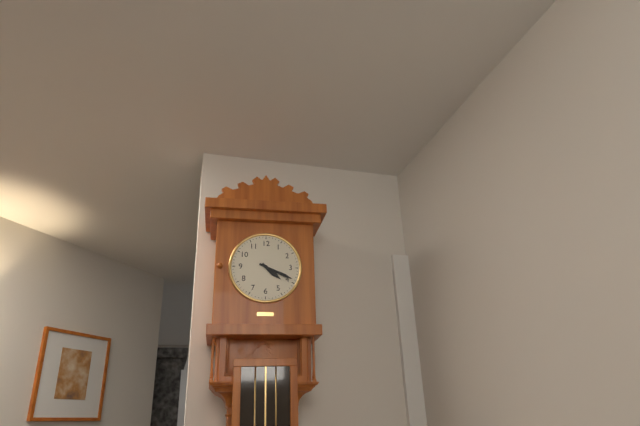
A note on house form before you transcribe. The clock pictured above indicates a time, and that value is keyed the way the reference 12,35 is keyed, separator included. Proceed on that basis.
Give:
4,19
